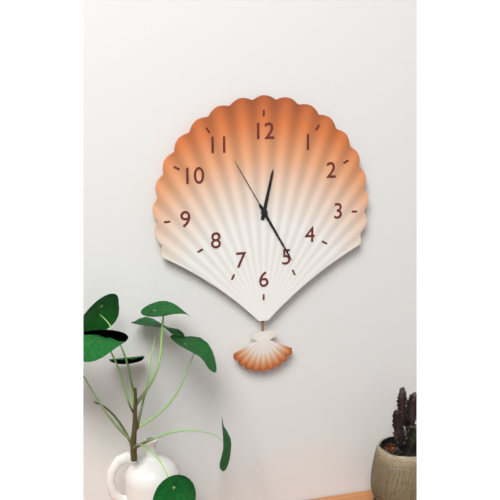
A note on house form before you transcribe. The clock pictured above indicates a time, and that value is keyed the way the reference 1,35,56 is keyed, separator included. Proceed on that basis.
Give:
12,25,55
